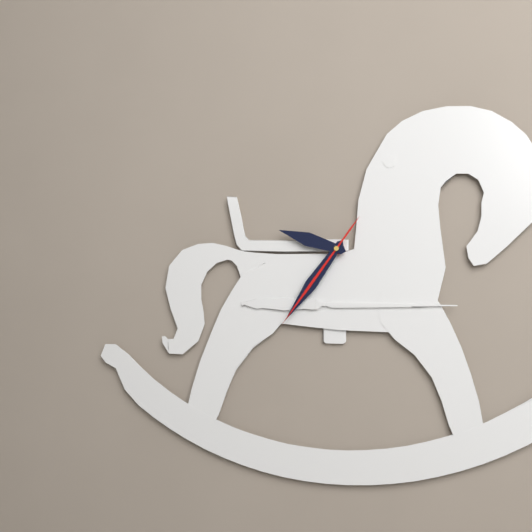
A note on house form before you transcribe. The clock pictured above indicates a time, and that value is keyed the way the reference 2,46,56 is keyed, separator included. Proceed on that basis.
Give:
9,36,36
